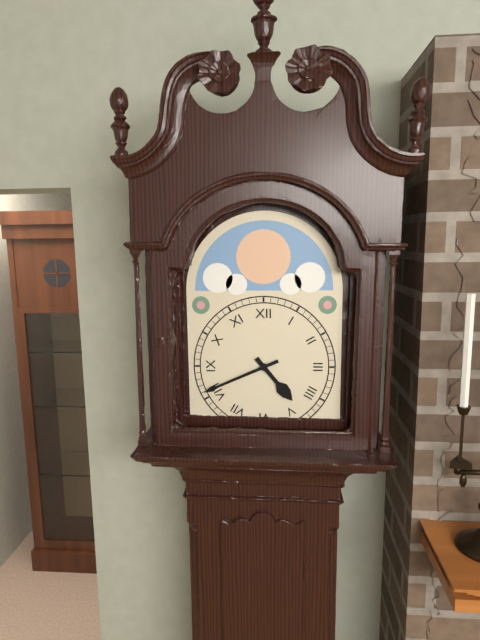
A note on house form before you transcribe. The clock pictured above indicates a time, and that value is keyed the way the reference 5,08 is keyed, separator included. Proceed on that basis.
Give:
4,41
